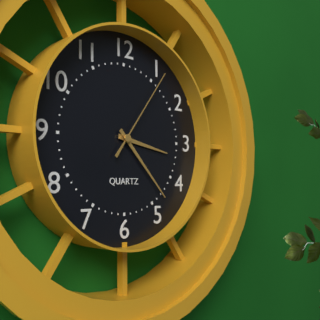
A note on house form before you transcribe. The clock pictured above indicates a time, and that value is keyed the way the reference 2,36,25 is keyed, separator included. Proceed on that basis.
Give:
3,23,06
